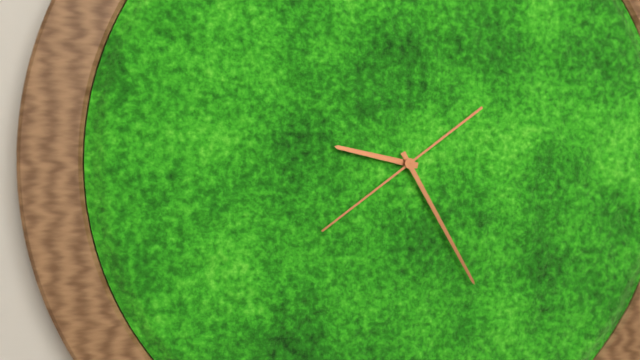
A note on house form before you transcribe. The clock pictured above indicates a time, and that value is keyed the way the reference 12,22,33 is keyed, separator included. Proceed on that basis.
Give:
9,25,39
